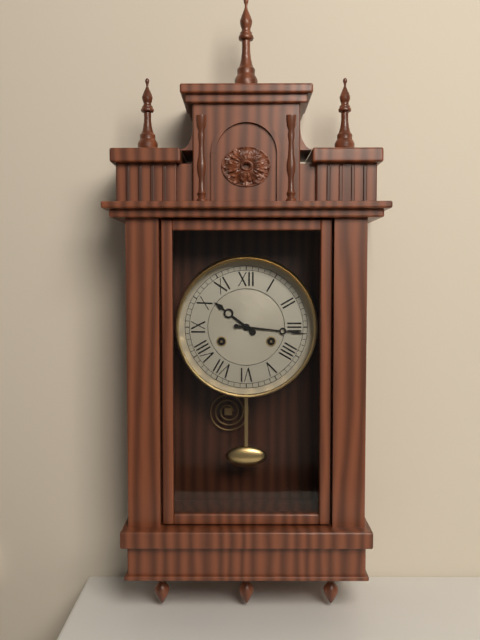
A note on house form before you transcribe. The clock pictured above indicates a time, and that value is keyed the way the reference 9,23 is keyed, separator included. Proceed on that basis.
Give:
10,16
